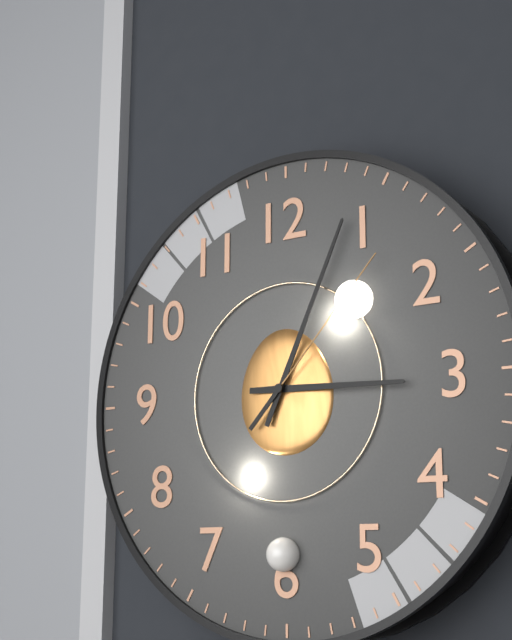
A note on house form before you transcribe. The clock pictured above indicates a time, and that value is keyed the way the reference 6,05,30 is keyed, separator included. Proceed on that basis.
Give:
3,04,07
